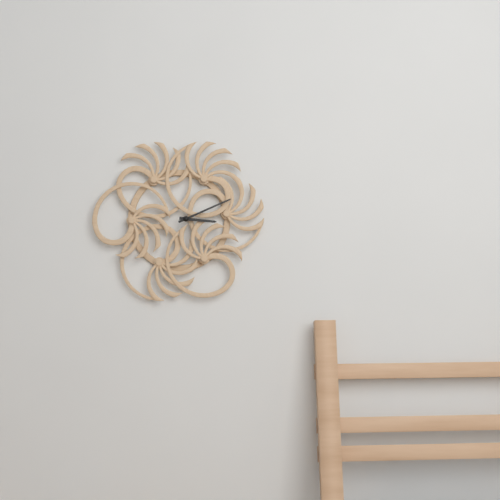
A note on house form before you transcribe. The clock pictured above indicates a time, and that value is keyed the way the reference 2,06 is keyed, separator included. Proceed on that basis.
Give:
3,11
